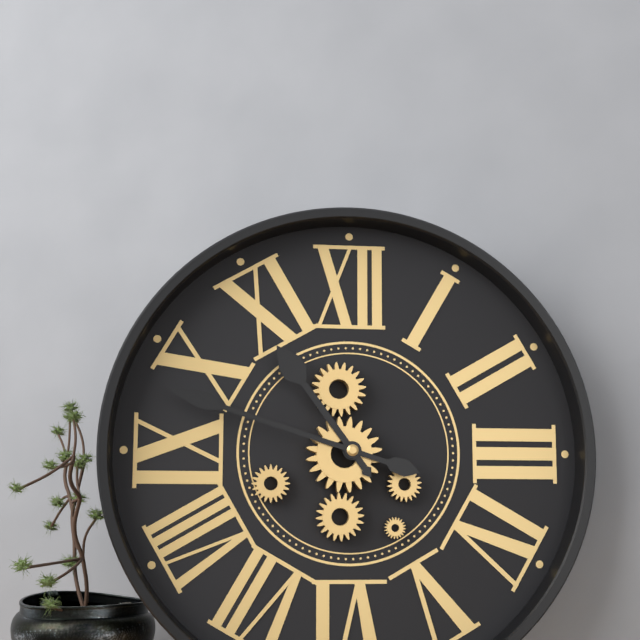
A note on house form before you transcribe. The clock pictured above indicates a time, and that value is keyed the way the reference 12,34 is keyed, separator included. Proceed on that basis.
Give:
10,48
